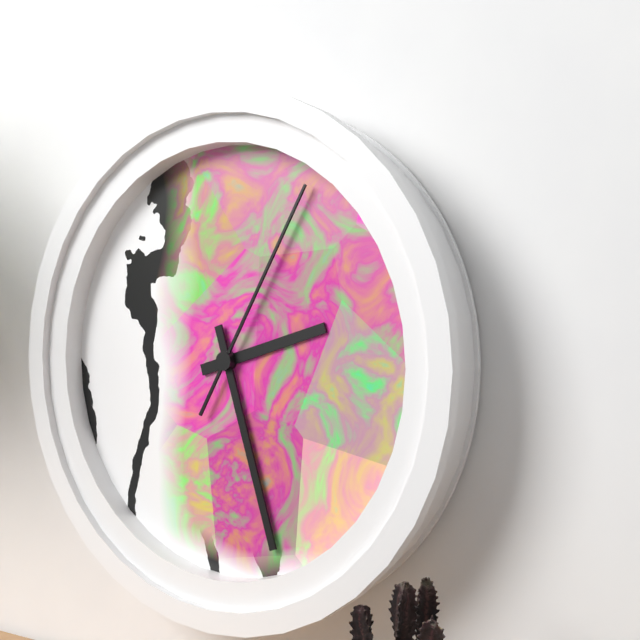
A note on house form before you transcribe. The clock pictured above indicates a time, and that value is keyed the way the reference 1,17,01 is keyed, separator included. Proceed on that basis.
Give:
2,27,05
